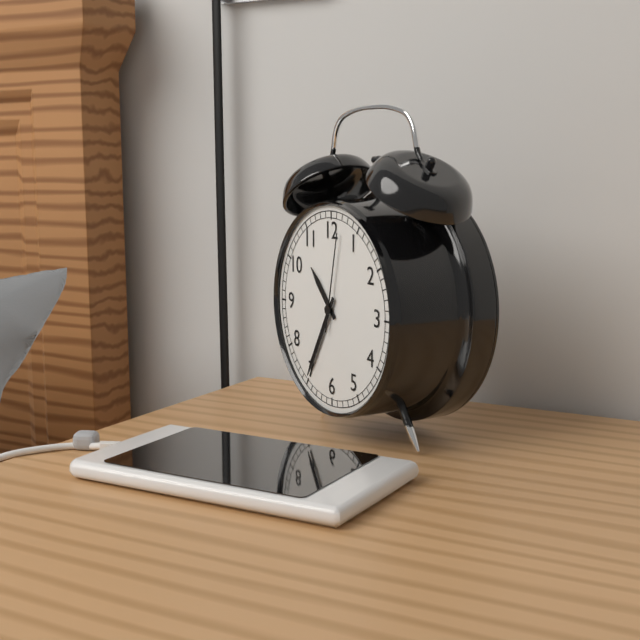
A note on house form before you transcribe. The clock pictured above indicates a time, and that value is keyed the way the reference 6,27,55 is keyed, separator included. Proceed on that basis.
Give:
10,35,02
